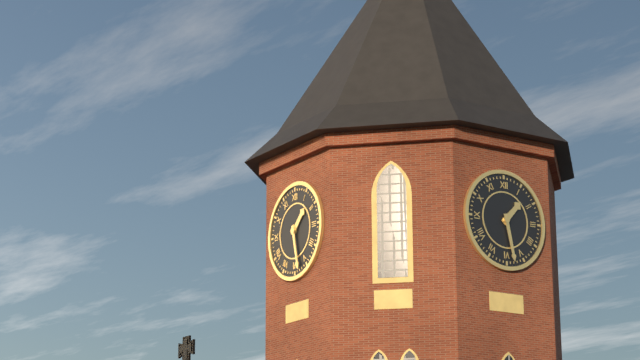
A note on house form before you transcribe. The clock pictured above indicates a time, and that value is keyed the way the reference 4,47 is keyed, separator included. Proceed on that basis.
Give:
1,28
